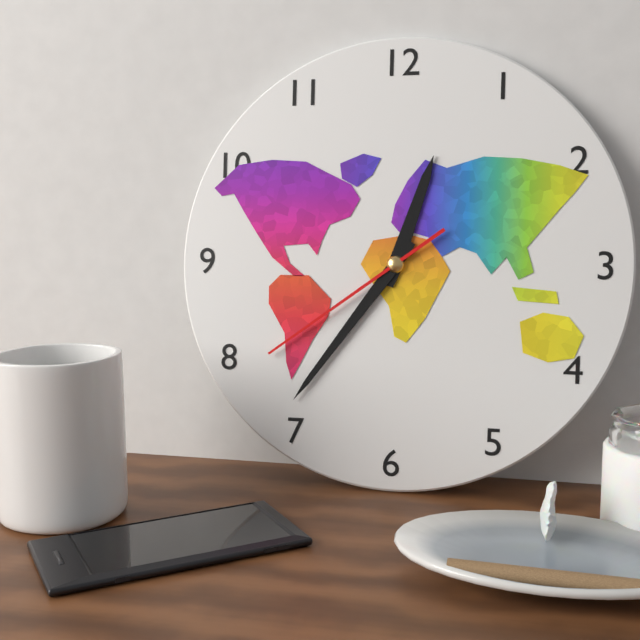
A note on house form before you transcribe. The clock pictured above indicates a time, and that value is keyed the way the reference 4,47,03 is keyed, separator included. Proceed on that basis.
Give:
12,36,39
